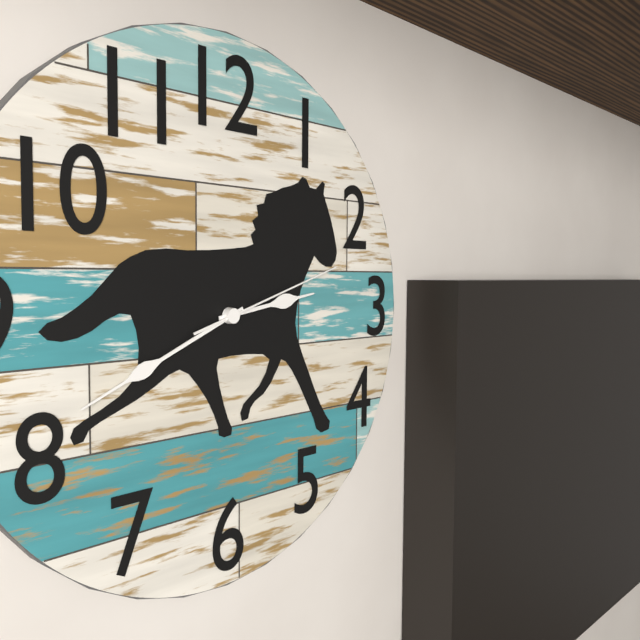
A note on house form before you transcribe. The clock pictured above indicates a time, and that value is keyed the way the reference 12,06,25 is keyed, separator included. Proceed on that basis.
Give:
2,41,12
